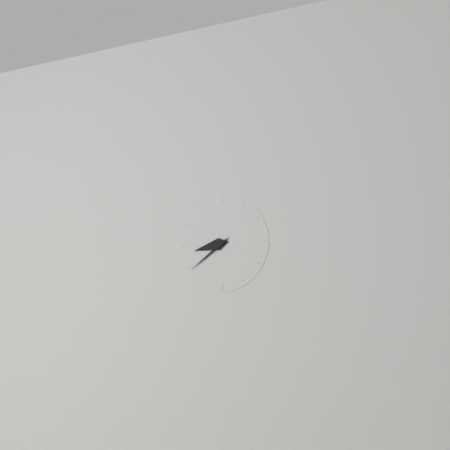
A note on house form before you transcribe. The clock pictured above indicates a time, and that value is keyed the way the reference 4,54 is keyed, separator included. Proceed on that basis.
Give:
8,39
